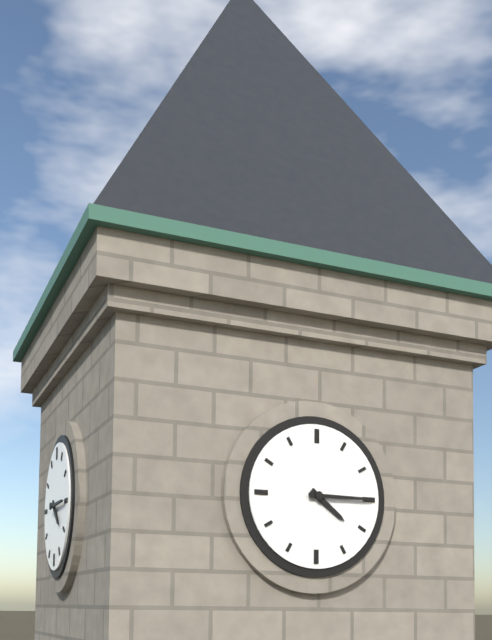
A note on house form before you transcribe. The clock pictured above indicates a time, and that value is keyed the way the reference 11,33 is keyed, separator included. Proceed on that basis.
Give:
4,15
